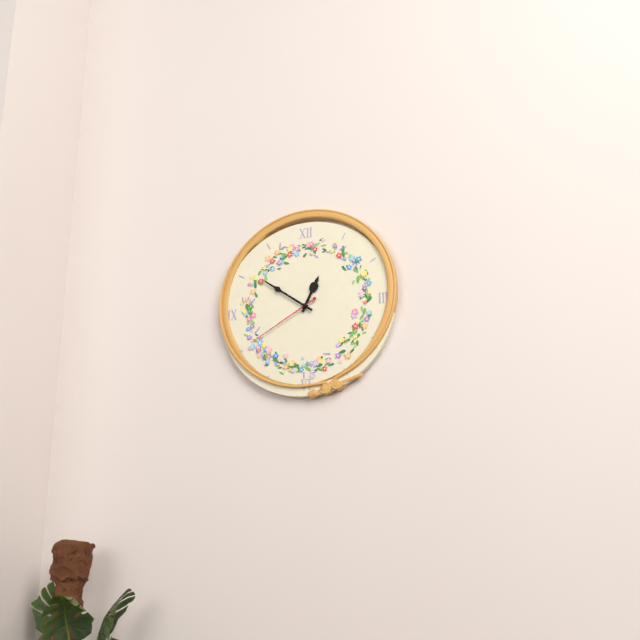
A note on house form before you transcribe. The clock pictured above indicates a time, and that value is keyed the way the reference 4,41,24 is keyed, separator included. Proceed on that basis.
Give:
12,51,40
